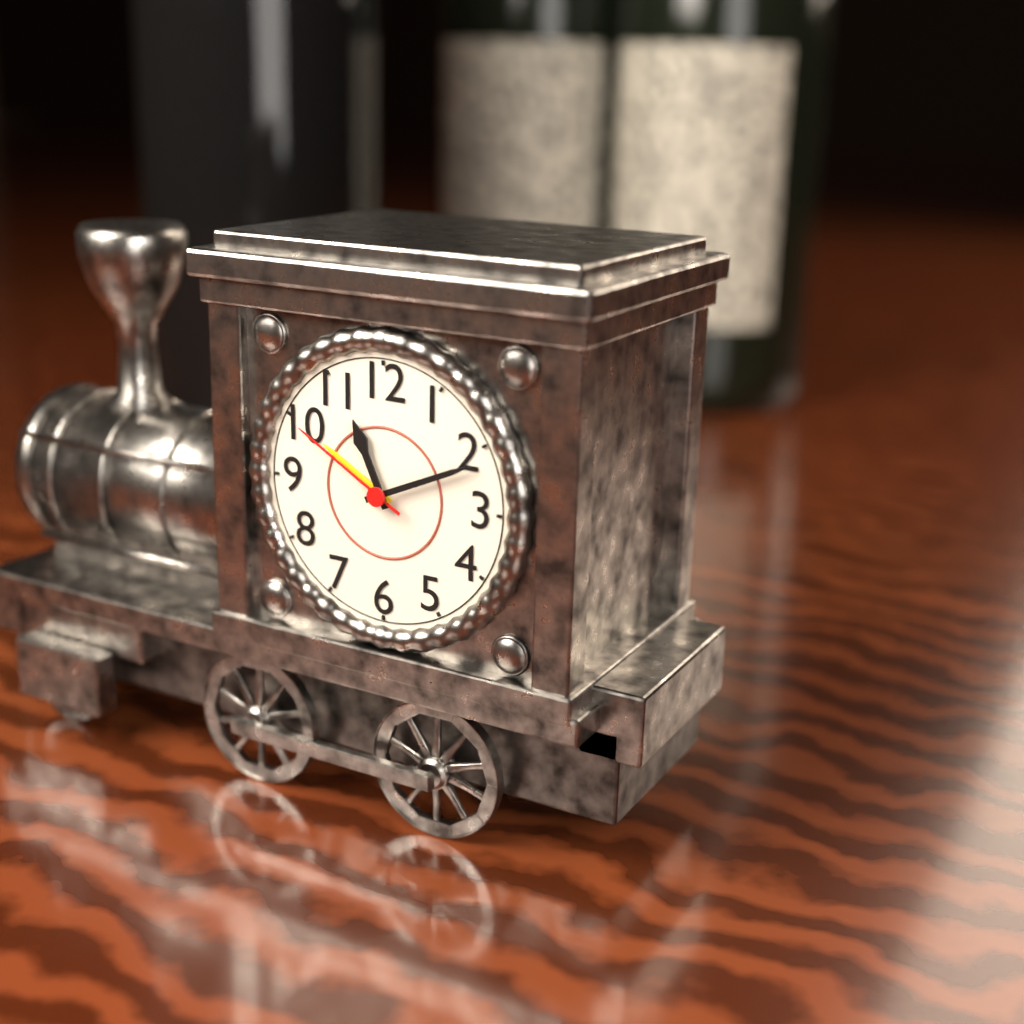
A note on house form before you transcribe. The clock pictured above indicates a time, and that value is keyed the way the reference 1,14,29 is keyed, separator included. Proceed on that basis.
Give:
11,11,50
